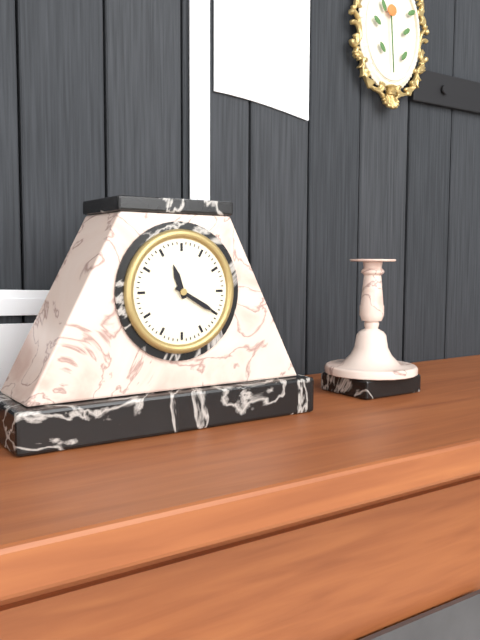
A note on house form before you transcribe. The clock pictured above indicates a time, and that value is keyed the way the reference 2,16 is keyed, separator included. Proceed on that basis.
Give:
11,20
